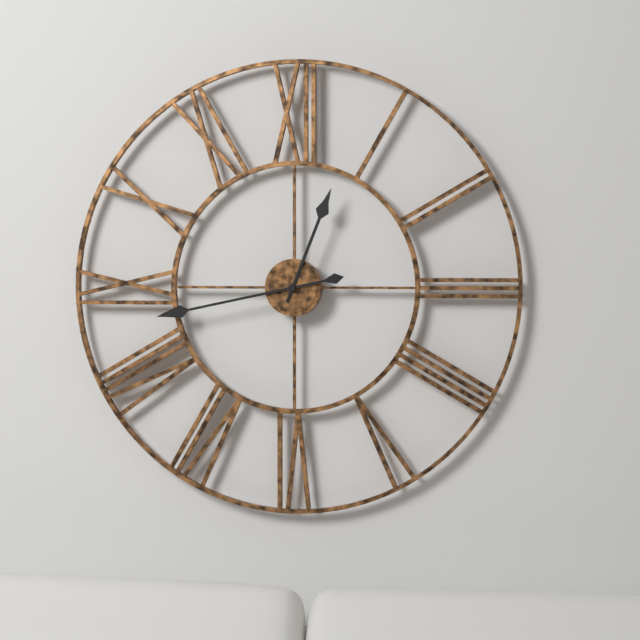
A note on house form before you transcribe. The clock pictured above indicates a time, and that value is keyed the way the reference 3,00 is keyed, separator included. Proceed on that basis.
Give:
12,43
